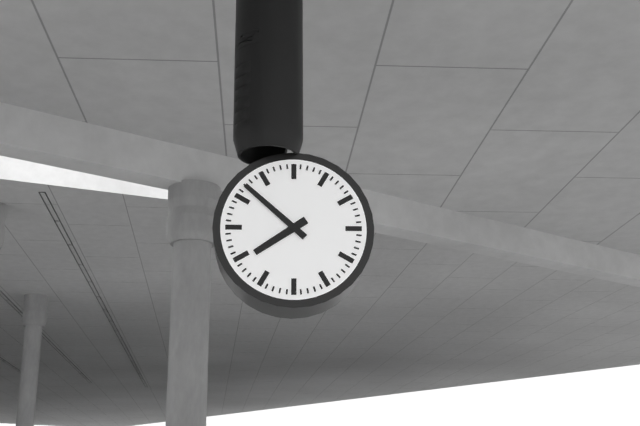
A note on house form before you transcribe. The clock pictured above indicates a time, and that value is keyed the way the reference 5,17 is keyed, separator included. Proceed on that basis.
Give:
7,52
